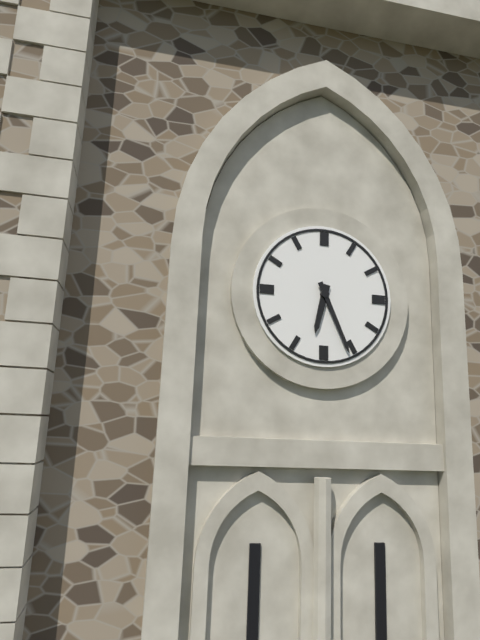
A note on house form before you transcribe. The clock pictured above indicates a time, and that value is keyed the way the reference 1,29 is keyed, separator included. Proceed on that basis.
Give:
6,26
